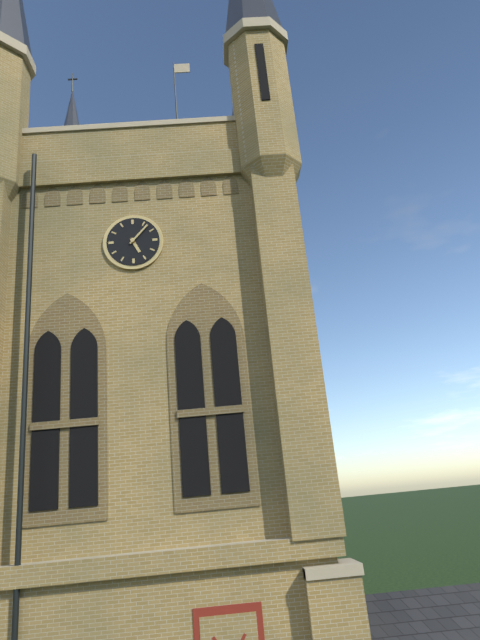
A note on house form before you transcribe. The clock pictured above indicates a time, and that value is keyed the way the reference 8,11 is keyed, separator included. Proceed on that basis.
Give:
5,07
